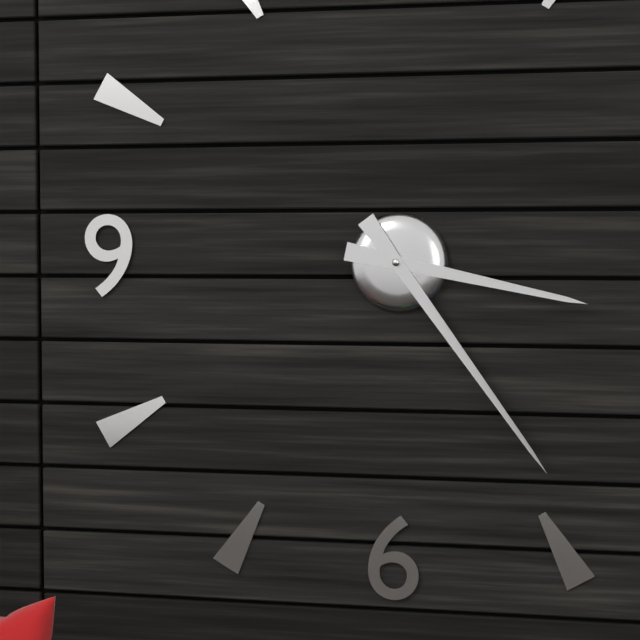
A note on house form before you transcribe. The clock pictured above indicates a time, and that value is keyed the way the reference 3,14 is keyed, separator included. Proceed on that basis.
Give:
3,24
